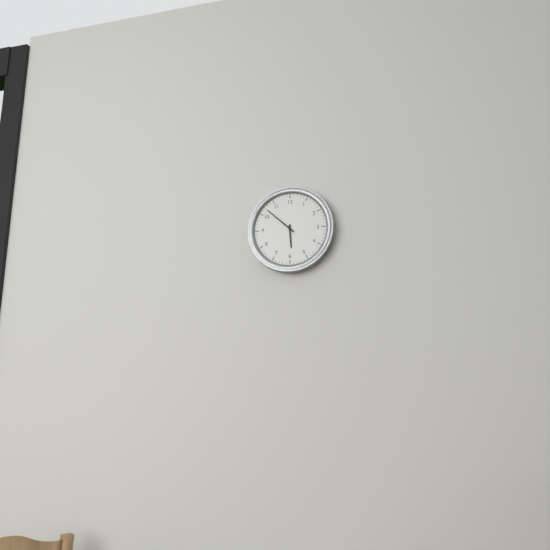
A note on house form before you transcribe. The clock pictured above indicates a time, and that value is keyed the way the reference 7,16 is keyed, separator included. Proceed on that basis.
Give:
5,52
